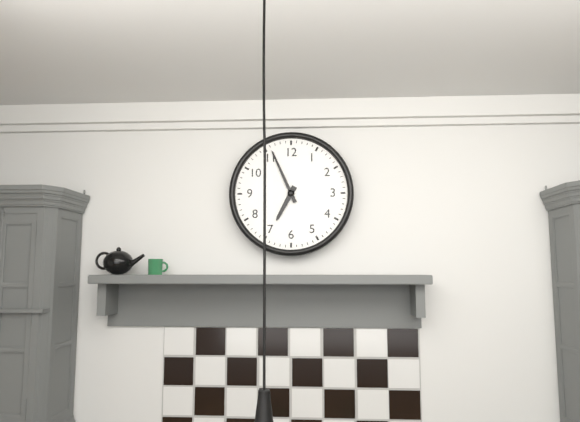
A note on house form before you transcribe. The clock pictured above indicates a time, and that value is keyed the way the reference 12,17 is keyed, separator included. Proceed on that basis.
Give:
6,56
